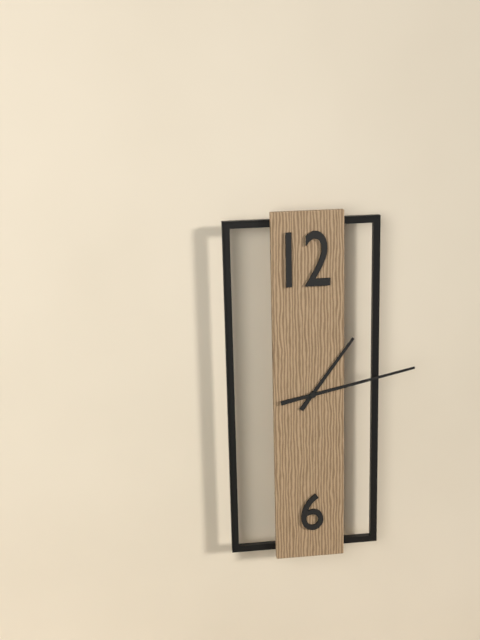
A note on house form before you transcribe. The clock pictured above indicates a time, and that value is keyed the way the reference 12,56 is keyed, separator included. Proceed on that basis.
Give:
1,13
